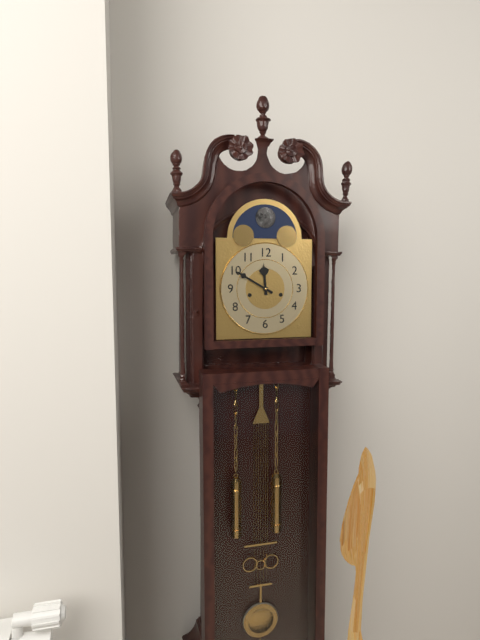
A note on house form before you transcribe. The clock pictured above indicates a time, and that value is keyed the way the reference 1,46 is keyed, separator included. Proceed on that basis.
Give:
11,50
